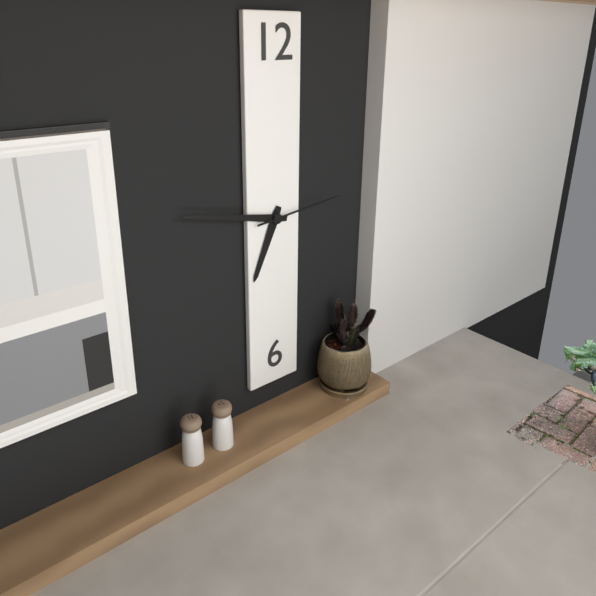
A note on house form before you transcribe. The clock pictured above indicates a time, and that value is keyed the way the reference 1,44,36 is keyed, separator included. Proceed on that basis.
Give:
6,47,14
